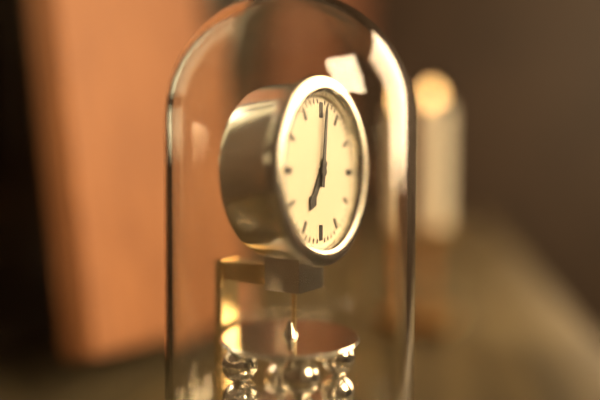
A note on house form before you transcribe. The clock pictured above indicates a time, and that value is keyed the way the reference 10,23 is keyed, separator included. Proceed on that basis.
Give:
7,01
